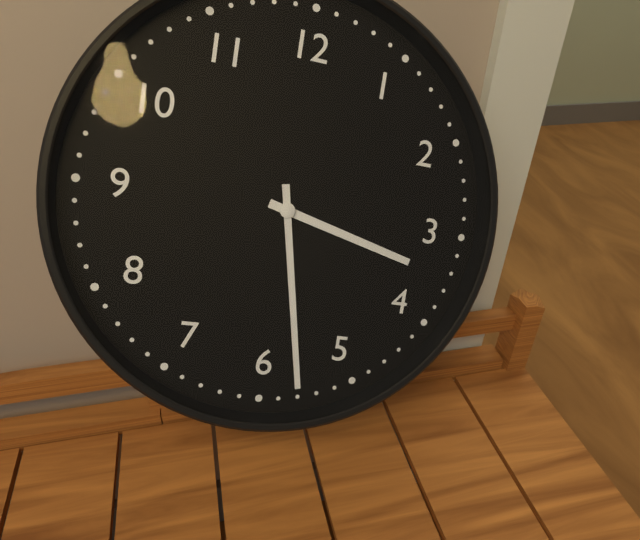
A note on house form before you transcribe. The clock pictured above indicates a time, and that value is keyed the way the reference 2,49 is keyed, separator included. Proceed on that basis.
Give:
3,28
